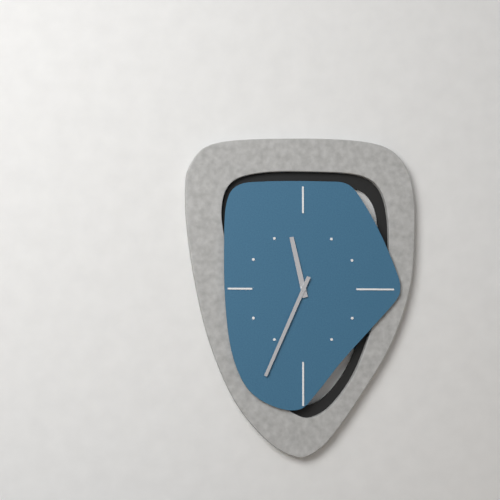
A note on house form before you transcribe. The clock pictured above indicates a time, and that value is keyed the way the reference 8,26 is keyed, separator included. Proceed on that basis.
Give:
11,34
